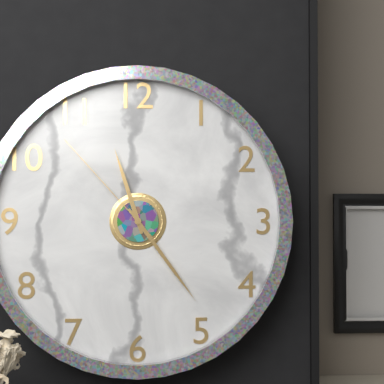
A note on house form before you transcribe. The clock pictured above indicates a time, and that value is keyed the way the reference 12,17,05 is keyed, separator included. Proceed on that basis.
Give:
11,24,53
